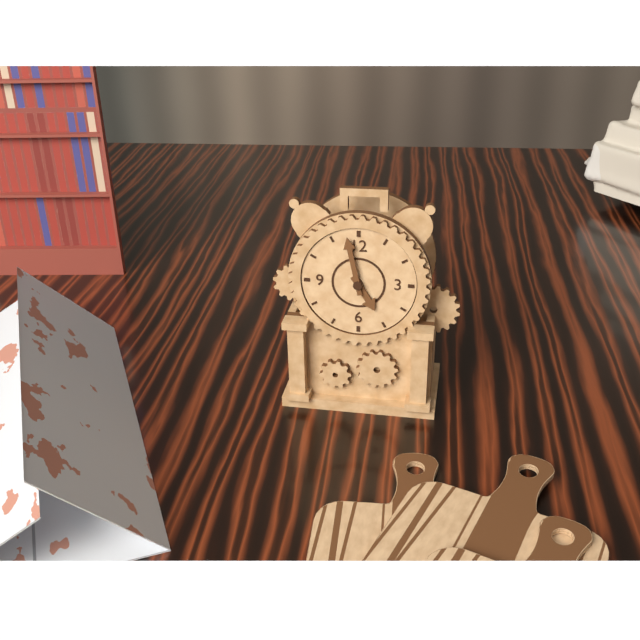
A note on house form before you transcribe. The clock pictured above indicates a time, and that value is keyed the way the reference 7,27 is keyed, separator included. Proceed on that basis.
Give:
4,58
